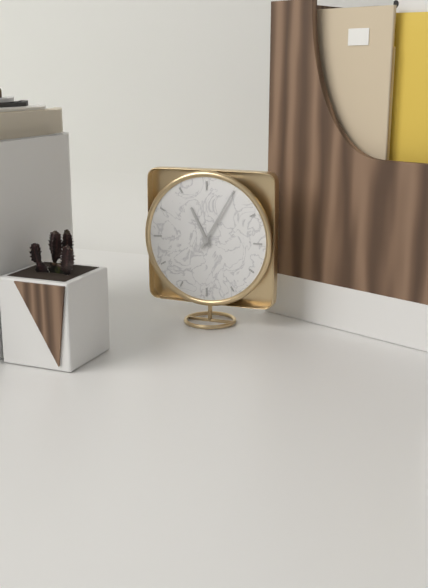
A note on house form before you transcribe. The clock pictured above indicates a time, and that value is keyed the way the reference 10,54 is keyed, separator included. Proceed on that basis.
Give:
11,05
